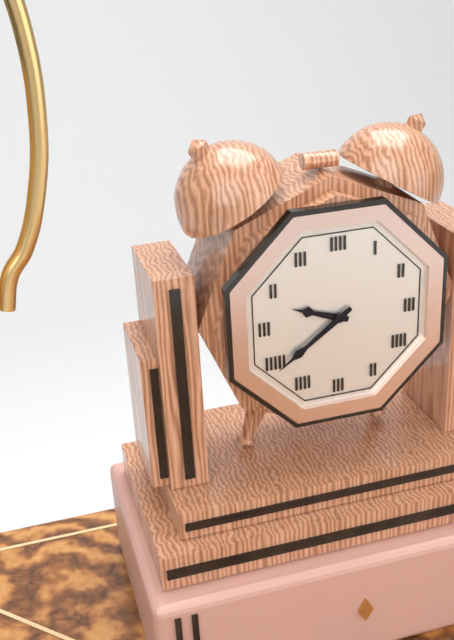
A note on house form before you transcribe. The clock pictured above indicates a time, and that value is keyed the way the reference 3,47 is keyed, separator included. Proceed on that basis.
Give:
9,39
